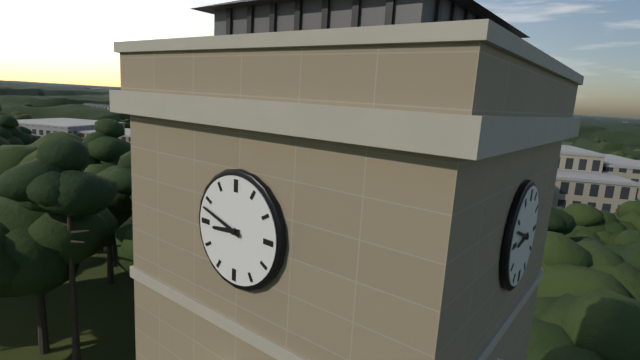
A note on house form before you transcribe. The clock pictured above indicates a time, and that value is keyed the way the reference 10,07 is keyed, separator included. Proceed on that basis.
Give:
8,48
